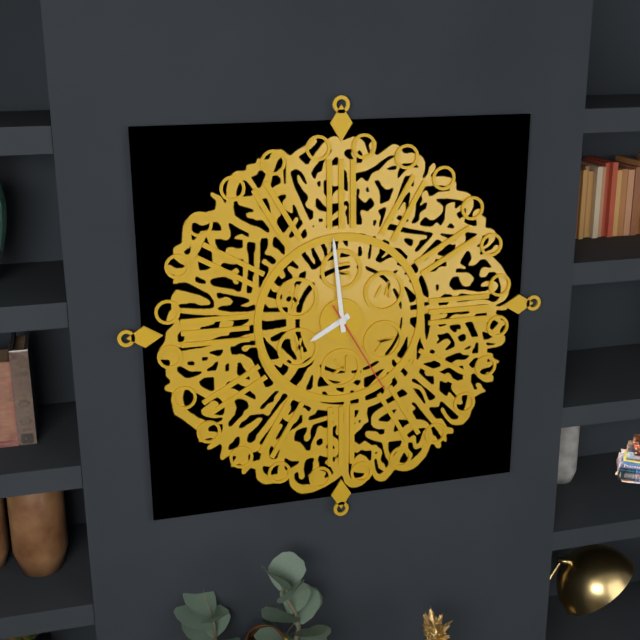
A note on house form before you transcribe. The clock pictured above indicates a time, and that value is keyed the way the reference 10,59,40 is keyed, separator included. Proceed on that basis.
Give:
7,59,25
